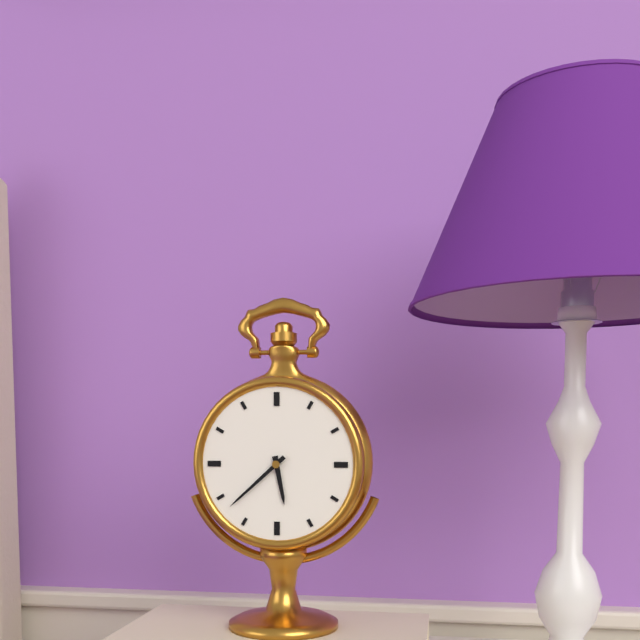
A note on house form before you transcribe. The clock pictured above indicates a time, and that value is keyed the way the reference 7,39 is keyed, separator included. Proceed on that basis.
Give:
5,38
